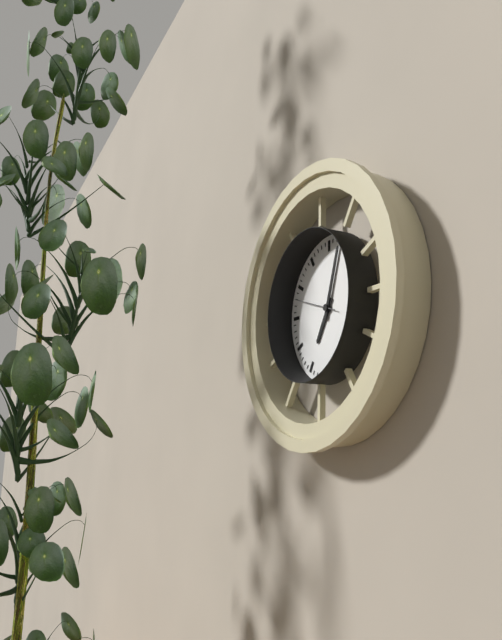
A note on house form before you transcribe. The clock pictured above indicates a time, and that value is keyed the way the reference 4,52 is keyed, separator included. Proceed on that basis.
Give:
7,03
